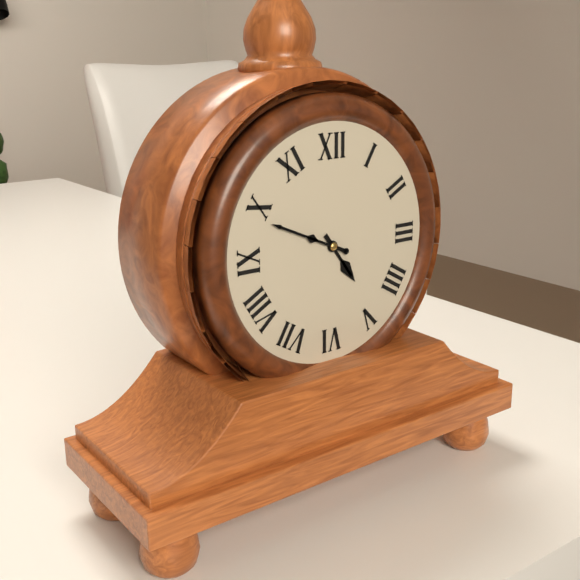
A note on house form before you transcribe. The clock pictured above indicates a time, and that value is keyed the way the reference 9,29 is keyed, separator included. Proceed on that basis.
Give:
4,49
